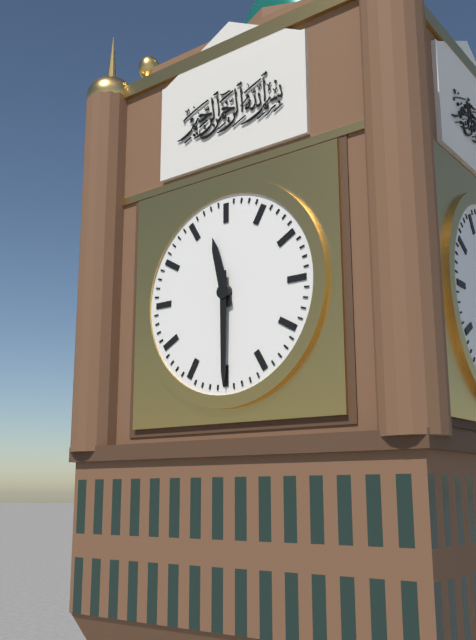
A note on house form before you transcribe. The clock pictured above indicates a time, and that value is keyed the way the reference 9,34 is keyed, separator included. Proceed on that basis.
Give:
11,30
